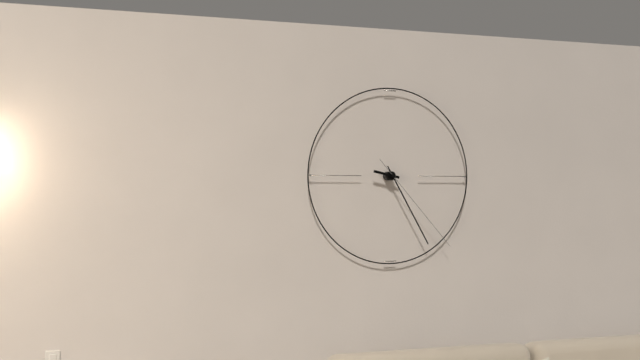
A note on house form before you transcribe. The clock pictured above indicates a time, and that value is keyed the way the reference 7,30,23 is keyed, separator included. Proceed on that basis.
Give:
9,25,23
